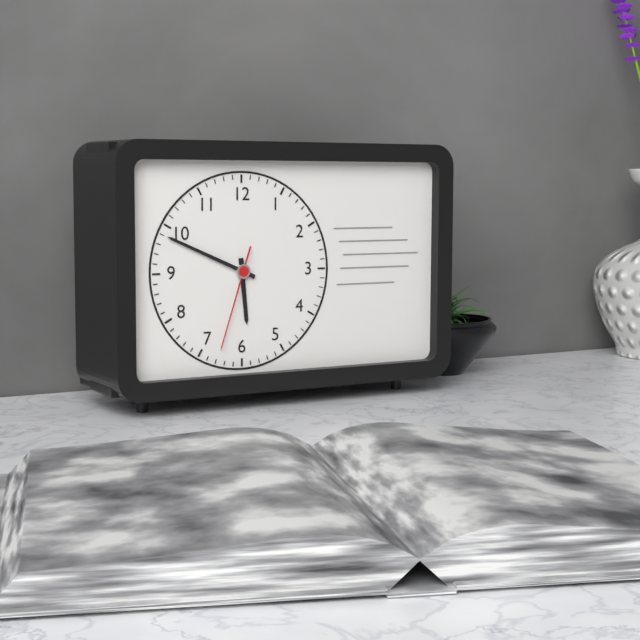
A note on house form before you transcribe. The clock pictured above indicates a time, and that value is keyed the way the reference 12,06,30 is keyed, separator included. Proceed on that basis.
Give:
5,49,33
